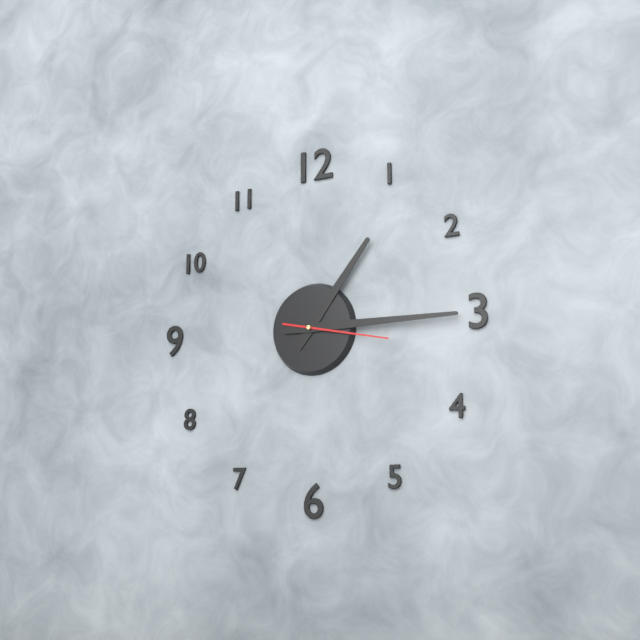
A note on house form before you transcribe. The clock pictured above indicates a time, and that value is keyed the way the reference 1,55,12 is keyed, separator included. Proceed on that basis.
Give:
1,15,17
